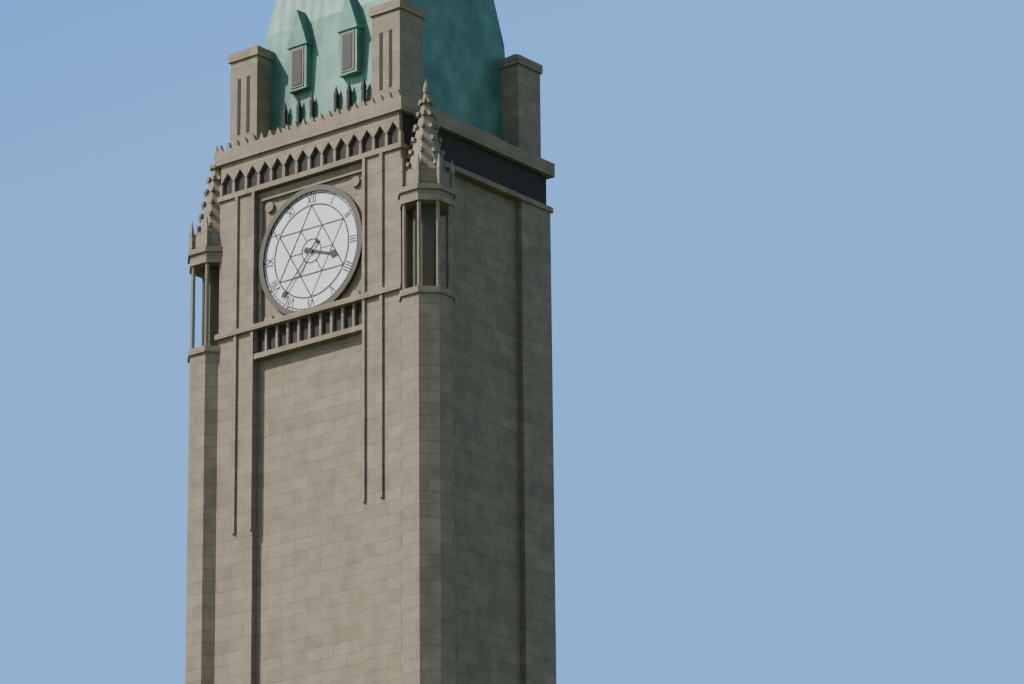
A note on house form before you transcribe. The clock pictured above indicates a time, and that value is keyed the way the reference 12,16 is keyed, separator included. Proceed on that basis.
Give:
3,37
